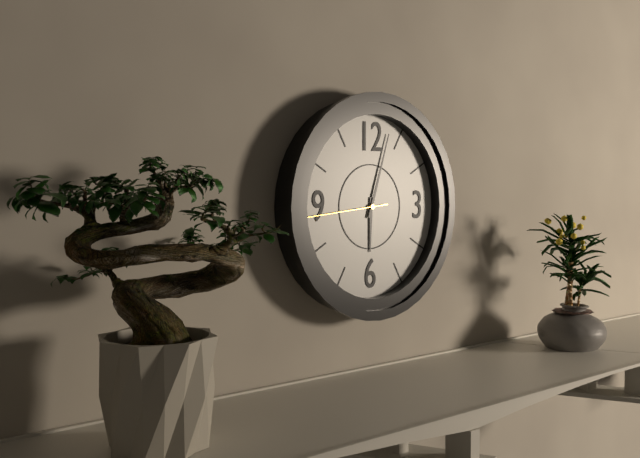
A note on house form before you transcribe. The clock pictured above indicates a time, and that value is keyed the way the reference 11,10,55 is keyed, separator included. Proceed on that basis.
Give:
6,03,44
